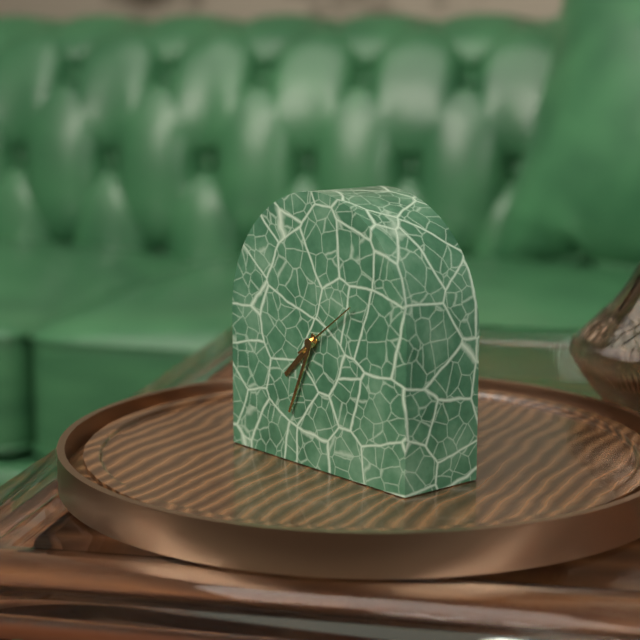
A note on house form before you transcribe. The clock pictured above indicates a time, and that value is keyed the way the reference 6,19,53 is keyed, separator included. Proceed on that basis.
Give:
7,34,09
